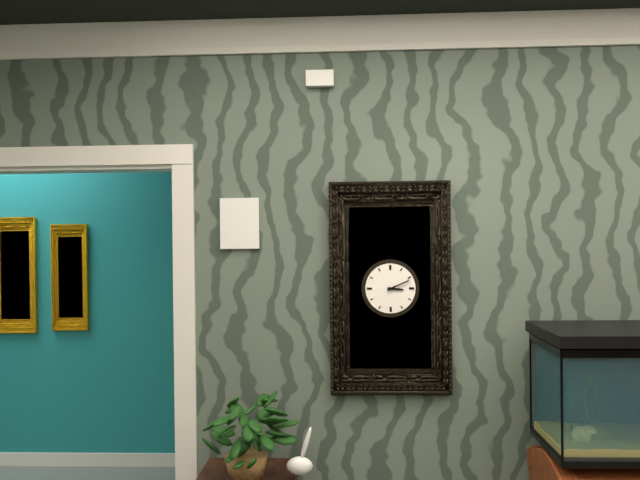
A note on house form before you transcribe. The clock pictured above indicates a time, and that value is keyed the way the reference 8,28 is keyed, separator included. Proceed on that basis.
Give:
3,11
